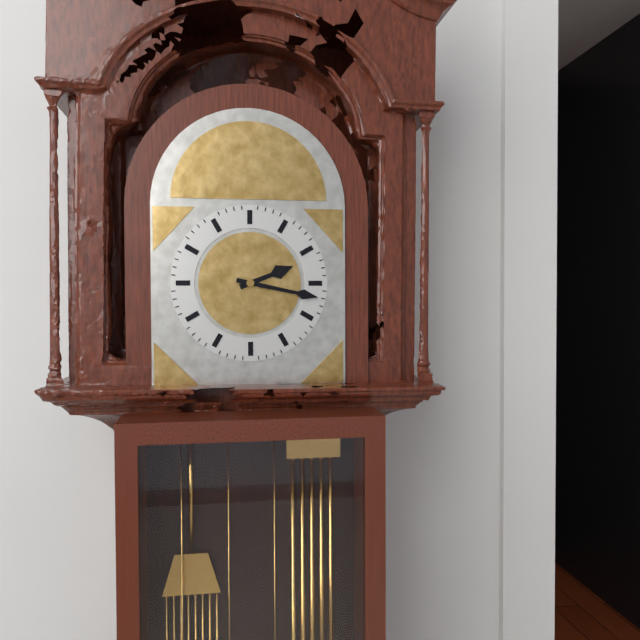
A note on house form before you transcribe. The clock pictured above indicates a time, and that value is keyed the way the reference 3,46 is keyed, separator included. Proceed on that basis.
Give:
2,17
